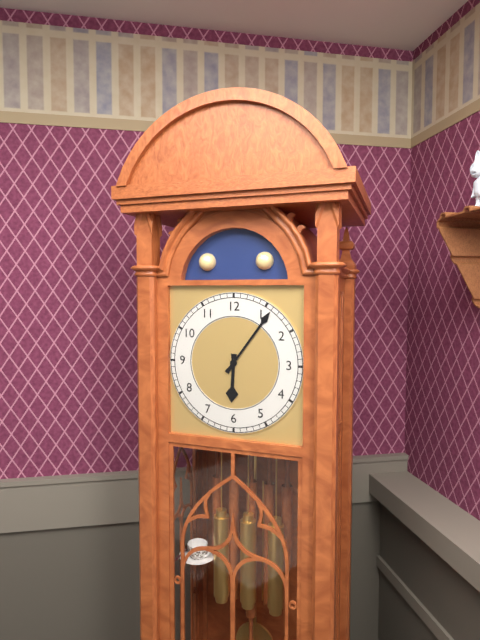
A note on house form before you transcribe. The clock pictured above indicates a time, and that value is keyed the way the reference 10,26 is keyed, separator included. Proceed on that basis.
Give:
6,06
